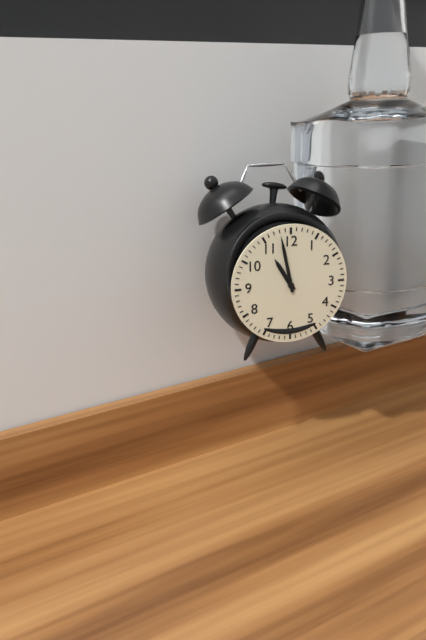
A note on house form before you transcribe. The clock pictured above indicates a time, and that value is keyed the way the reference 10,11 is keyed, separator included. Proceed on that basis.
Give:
10,58
